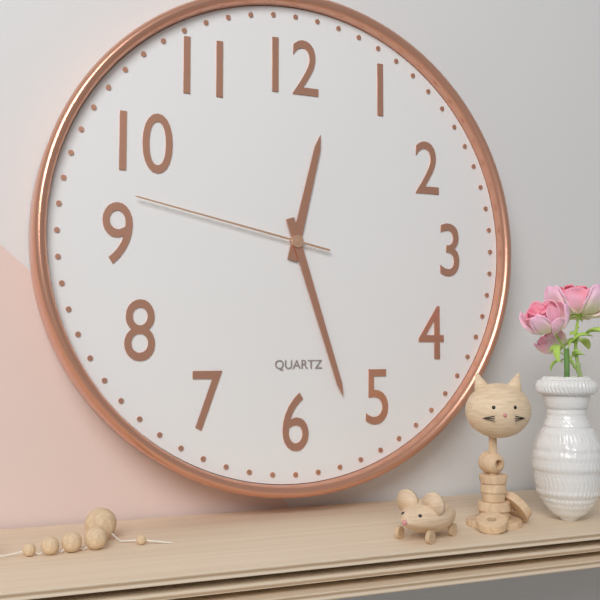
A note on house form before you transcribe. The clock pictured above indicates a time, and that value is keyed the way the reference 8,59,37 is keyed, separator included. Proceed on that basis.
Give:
12,27,47
